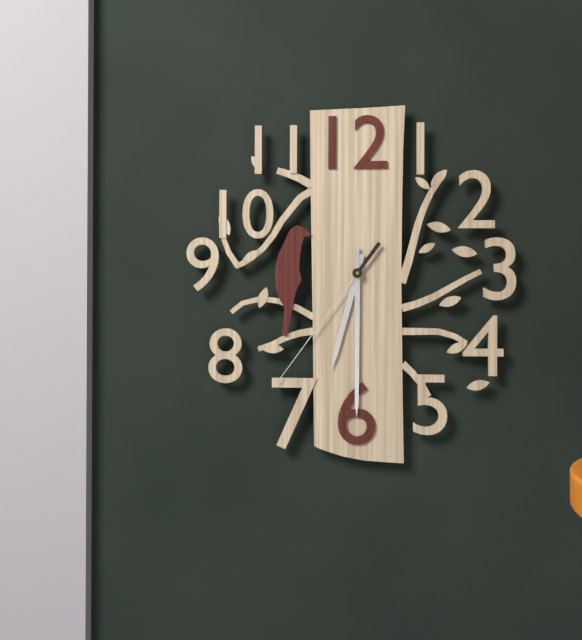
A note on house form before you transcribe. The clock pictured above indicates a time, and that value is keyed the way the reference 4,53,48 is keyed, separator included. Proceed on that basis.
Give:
6,30,36
